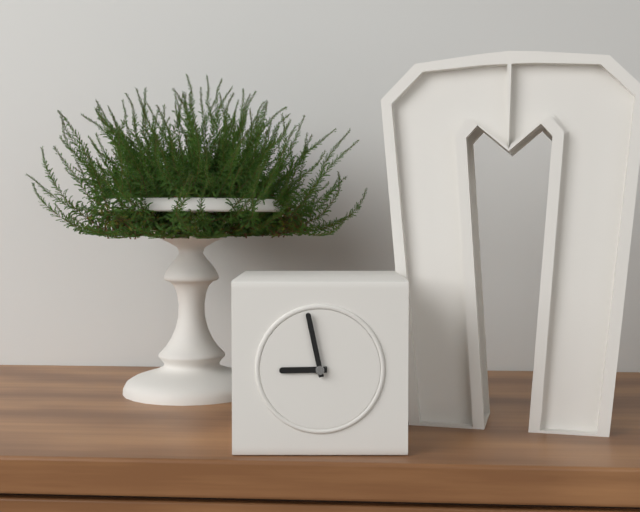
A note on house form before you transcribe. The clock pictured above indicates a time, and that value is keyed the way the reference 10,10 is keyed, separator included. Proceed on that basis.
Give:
8,58
